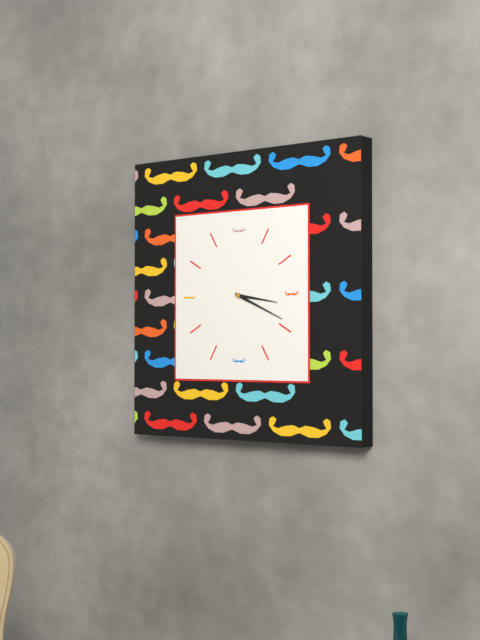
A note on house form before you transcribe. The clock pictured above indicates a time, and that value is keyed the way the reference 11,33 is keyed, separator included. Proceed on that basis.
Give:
3,19
